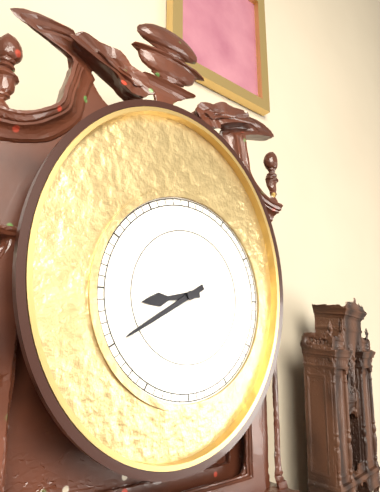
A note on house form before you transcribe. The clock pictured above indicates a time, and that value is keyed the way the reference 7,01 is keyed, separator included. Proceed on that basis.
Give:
8,40
